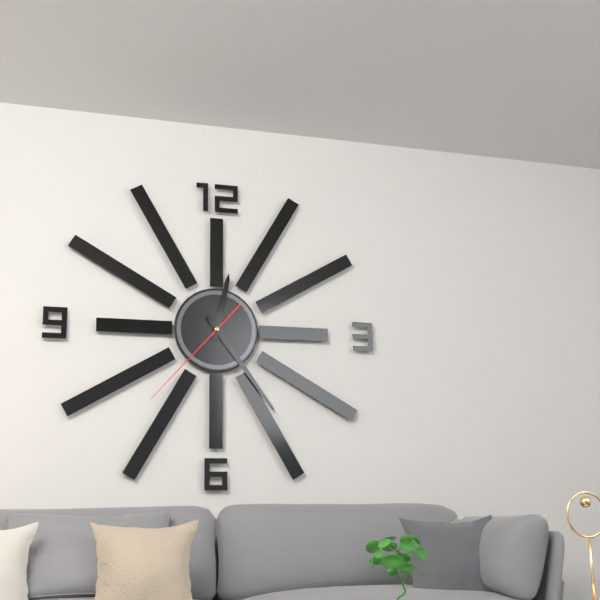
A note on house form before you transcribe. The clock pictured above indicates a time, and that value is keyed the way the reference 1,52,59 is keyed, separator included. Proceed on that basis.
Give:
12,24,37
